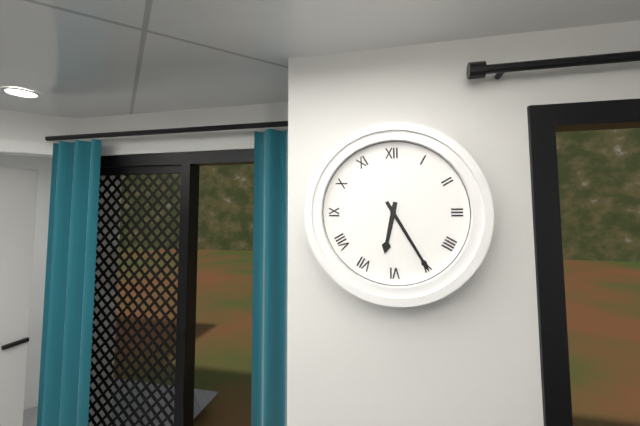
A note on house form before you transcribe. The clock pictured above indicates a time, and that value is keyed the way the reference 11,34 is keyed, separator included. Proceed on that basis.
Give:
6,25
